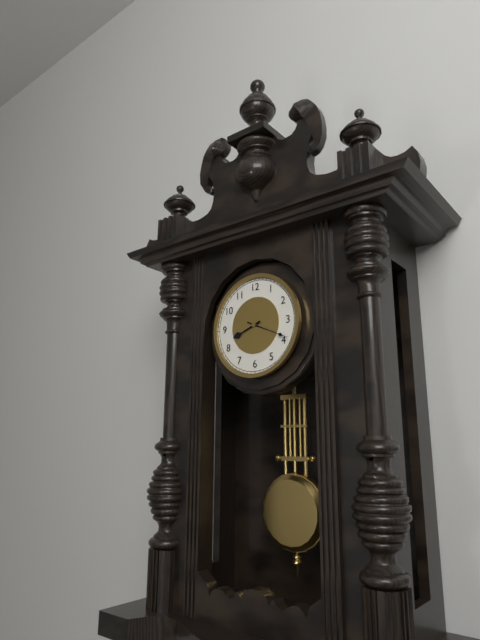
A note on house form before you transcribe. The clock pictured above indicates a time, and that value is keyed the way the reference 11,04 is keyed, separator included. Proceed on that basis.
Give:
8,19
